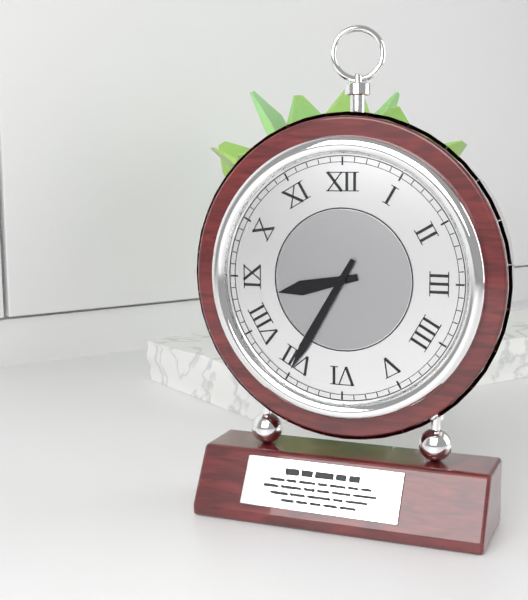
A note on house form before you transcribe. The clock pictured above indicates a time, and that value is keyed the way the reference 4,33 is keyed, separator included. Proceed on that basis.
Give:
8,35
